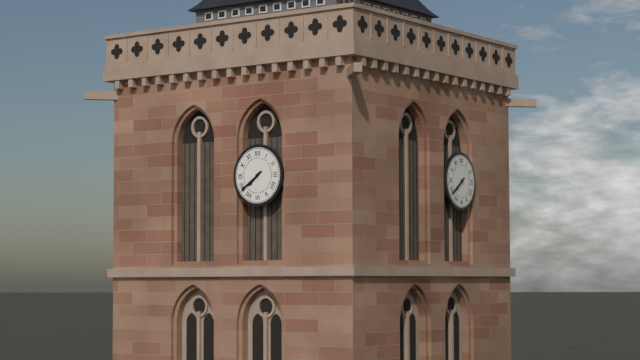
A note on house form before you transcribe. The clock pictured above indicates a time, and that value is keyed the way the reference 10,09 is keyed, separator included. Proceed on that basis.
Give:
7,39
